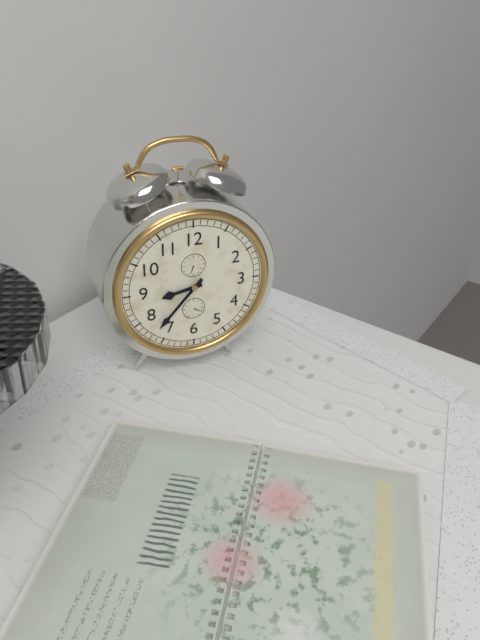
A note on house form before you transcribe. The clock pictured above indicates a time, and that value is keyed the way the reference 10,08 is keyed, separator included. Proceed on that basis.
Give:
8,37
